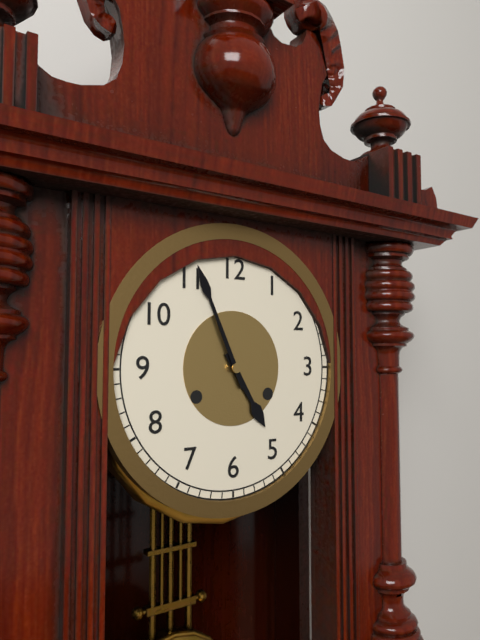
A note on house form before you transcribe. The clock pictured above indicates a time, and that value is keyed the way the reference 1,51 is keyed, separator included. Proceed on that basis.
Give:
4,56
